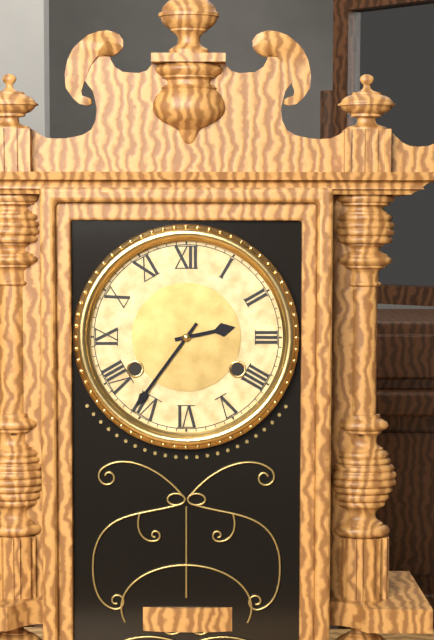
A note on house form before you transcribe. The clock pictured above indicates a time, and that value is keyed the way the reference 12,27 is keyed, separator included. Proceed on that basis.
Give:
2,36
